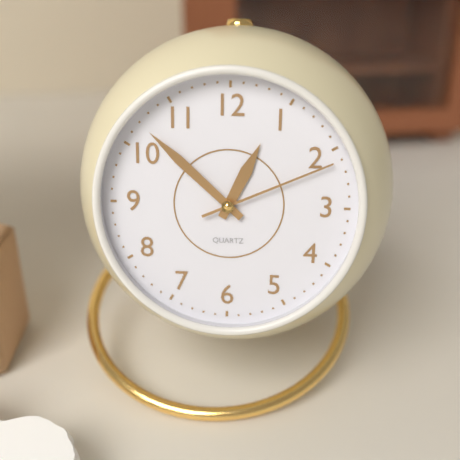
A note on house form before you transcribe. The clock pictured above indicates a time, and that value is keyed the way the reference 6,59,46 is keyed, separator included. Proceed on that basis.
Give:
12,52,11
